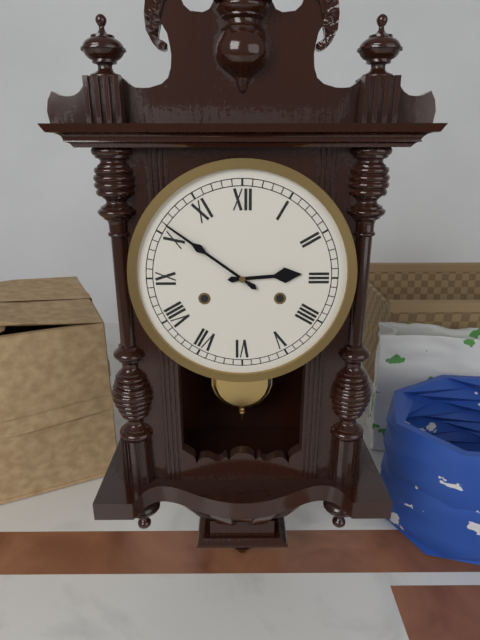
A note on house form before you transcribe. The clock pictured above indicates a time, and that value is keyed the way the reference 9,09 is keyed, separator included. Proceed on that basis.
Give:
2,51
